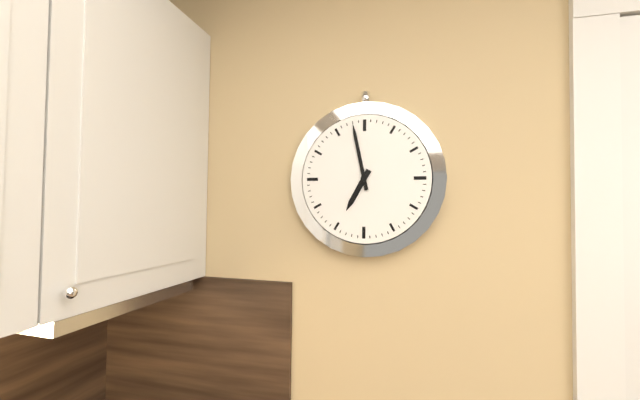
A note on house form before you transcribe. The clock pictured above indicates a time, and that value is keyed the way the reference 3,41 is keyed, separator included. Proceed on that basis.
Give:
6,58
